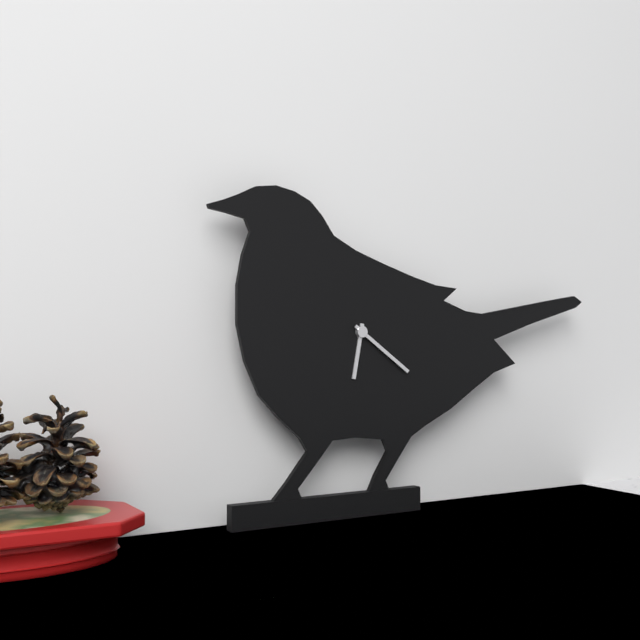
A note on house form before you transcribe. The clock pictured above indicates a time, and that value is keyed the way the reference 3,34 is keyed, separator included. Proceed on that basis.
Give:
6,21
